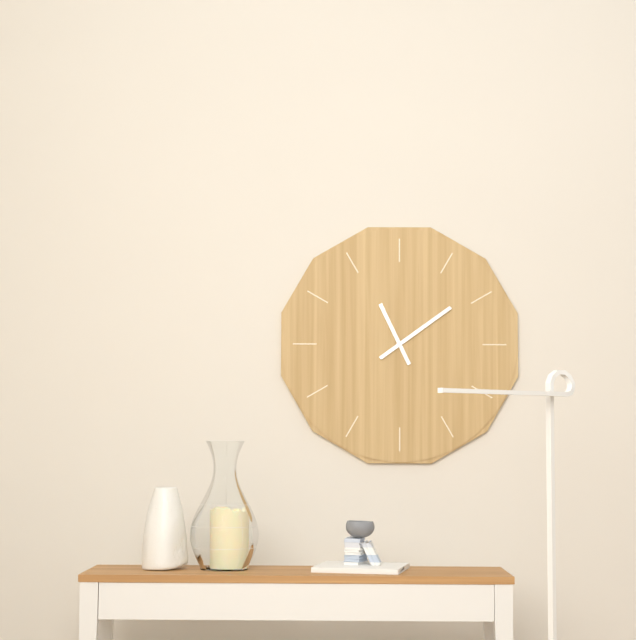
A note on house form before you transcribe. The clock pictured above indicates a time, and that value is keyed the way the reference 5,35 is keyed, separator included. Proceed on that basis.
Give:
11,09
